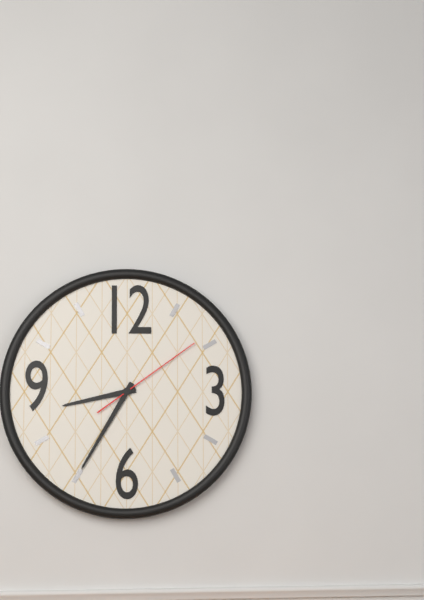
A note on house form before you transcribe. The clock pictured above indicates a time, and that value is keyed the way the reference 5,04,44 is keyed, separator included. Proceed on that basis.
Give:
8,35,09
